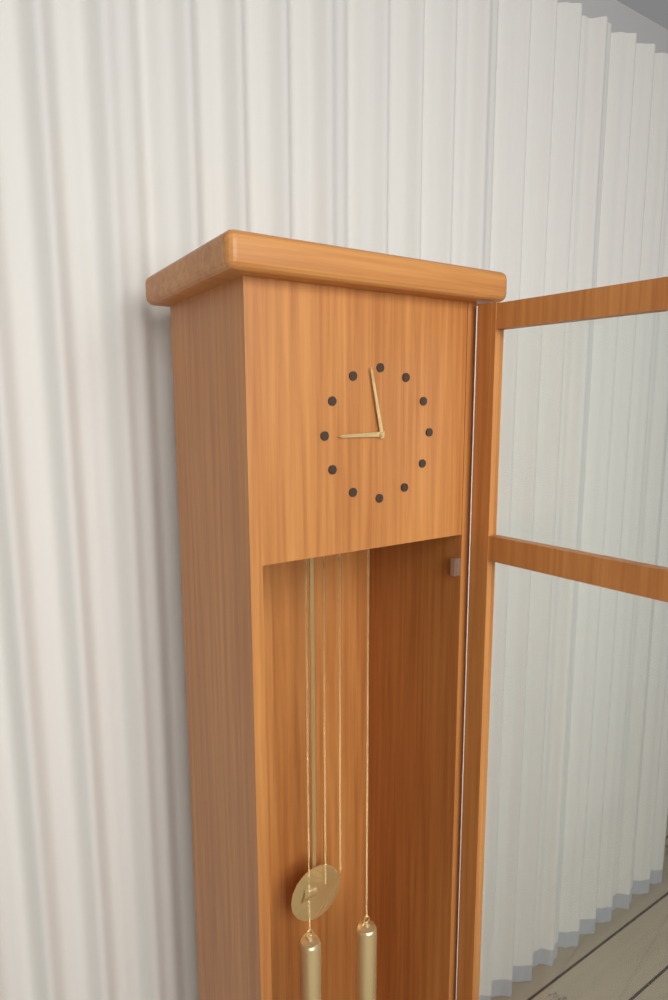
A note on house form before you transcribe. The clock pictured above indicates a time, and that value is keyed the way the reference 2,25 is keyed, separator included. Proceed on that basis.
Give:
8,58
